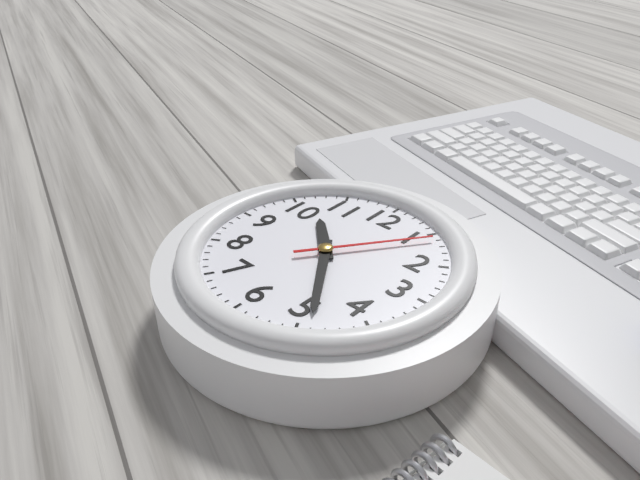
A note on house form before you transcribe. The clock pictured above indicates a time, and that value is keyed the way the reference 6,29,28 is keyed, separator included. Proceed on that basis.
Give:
10,24,06
